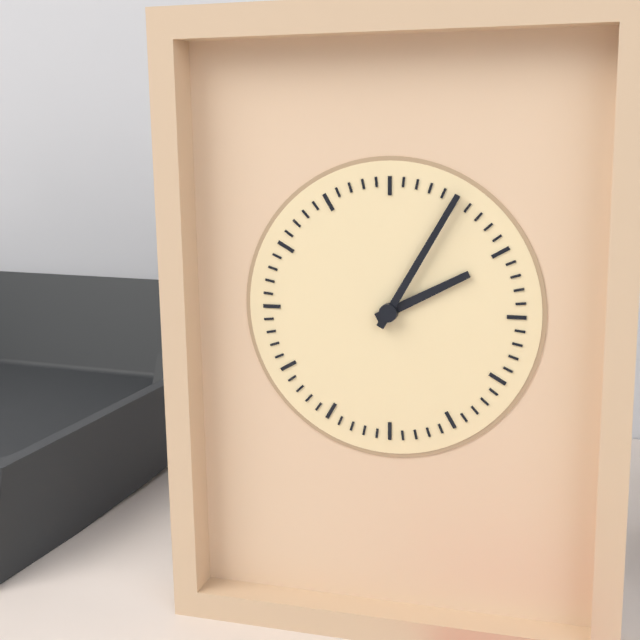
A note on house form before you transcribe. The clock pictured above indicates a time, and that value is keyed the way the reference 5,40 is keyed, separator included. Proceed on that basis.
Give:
2,05
